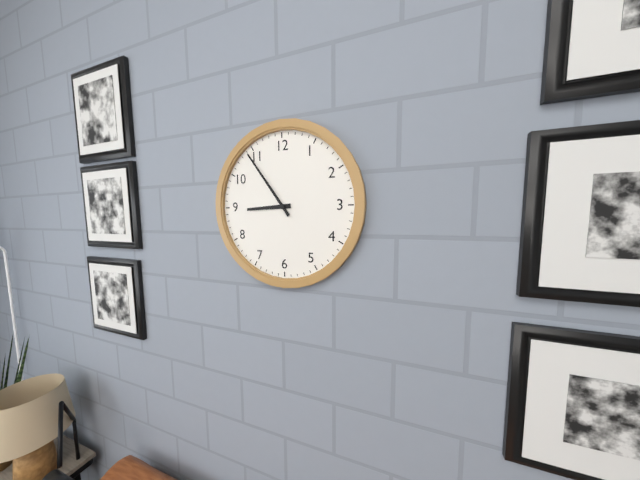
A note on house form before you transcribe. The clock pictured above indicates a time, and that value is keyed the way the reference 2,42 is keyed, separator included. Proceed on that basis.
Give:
8,54
